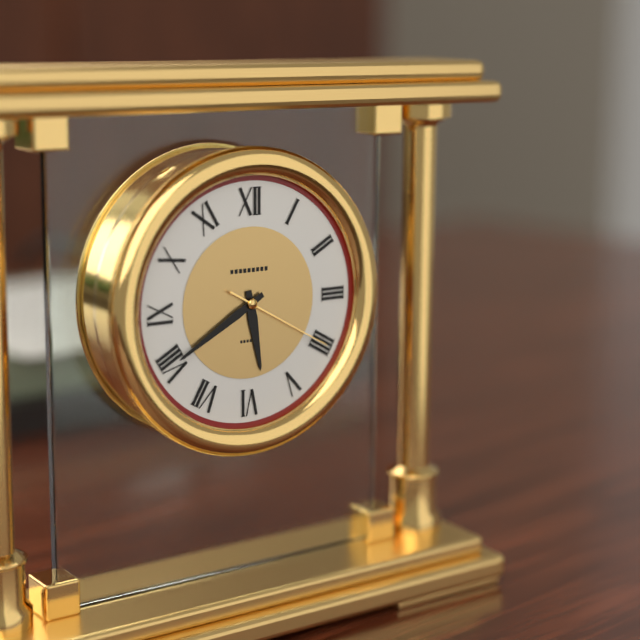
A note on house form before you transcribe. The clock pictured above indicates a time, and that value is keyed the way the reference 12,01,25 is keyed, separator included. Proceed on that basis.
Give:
5,40,20
